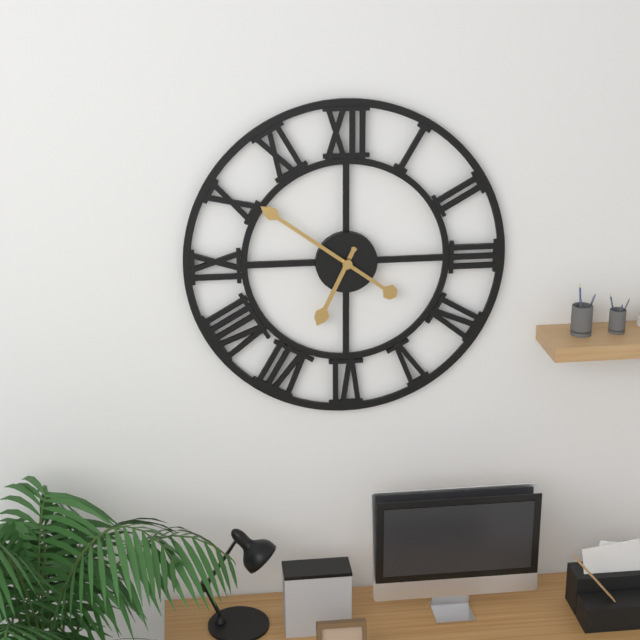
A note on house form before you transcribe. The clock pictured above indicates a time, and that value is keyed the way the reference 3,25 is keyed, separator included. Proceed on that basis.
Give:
6,51
